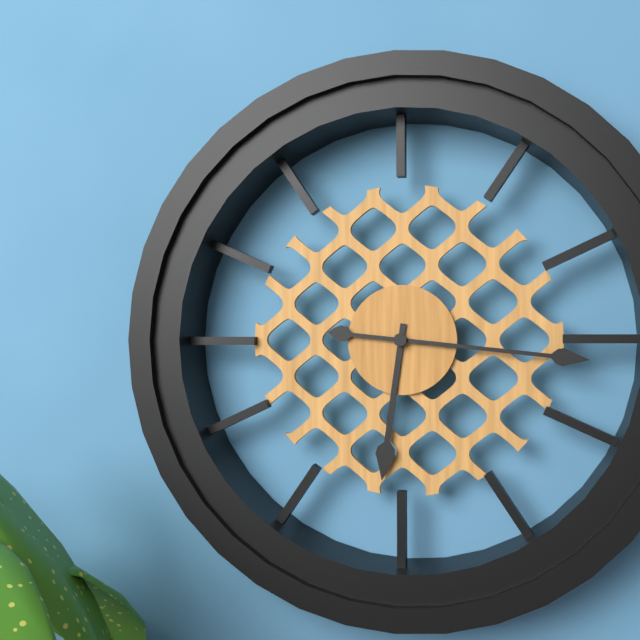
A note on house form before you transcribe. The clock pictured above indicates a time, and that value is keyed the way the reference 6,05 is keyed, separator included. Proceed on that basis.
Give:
6,16
